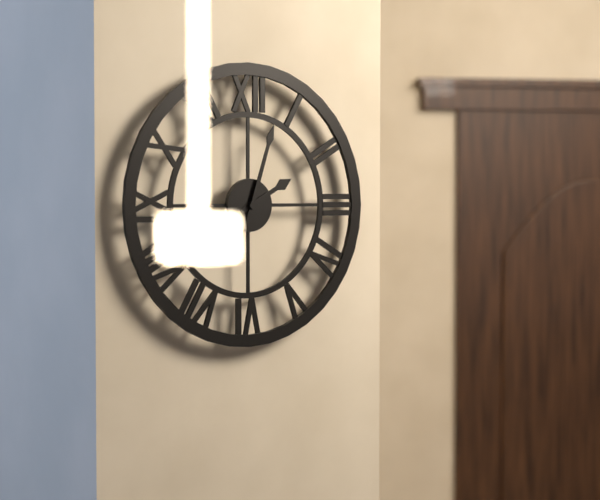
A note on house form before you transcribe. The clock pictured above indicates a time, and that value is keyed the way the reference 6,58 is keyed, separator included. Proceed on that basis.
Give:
2,03
